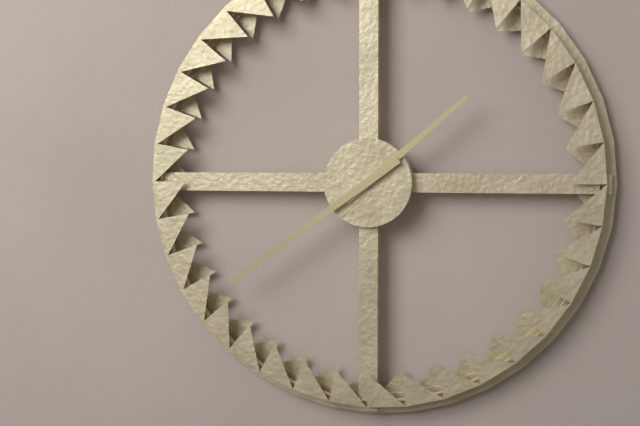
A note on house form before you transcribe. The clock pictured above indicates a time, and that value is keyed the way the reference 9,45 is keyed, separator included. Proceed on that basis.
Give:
1,39
